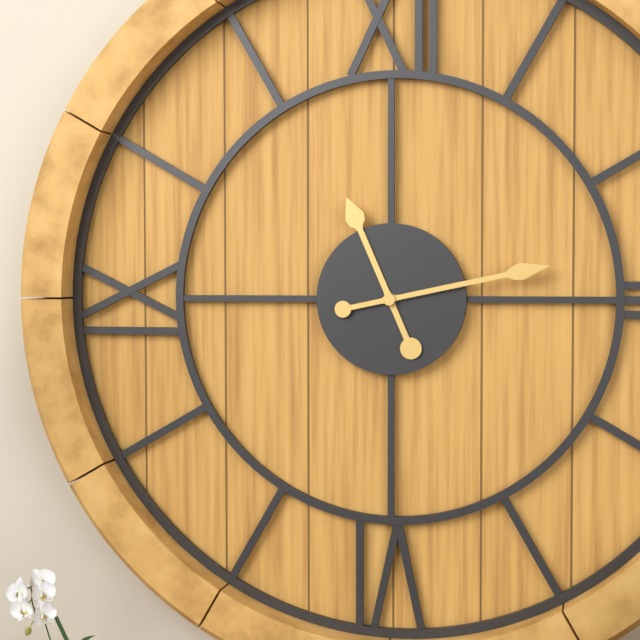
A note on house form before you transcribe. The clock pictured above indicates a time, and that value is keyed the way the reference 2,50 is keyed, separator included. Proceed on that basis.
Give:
11,13
